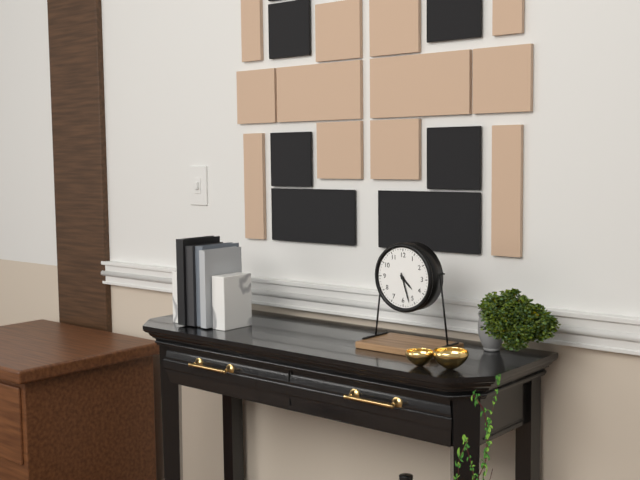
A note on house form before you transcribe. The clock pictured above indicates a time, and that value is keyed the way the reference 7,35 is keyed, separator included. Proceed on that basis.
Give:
4,27
